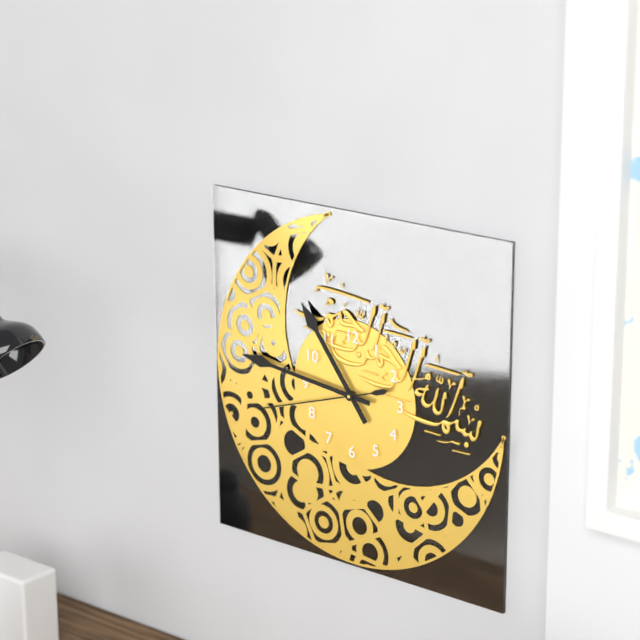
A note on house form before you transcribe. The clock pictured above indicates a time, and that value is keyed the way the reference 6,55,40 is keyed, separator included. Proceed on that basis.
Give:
10,46,42
